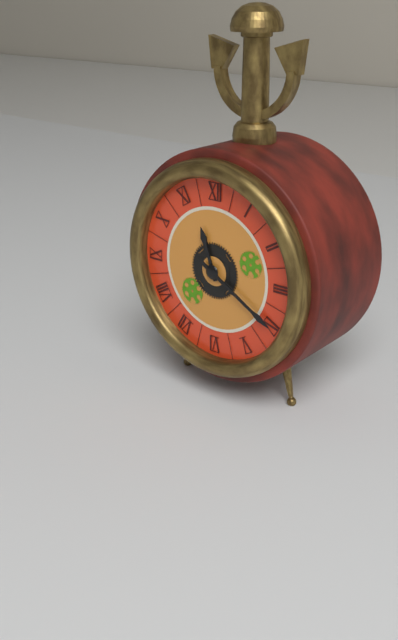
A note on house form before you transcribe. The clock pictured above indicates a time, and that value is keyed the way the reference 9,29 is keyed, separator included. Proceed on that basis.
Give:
11,20
